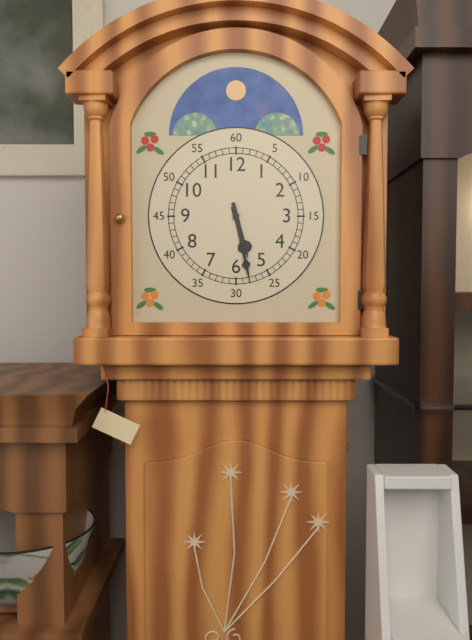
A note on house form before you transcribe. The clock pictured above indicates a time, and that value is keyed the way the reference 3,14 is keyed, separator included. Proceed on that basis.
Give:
5,28
